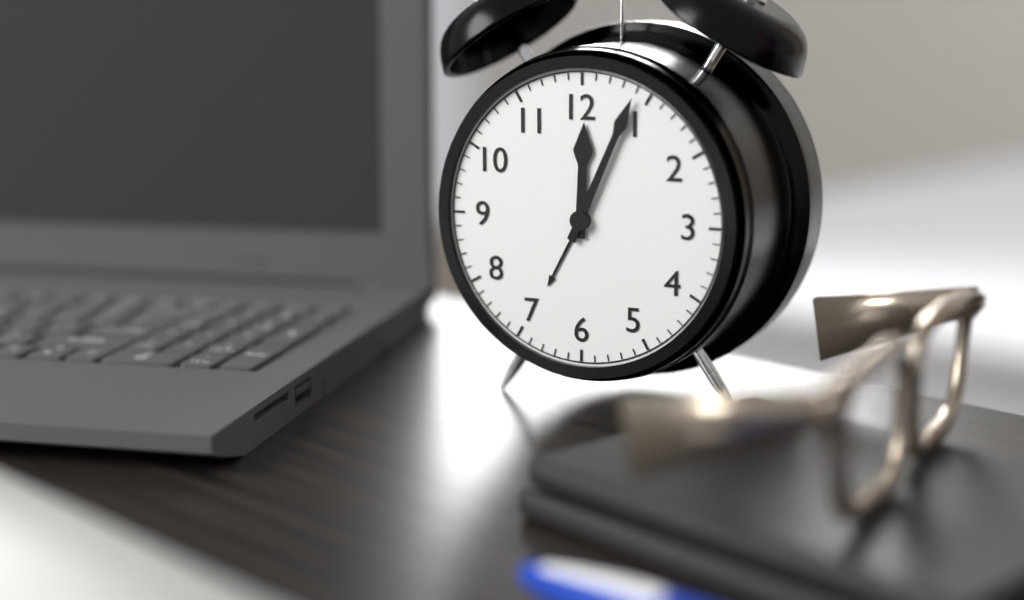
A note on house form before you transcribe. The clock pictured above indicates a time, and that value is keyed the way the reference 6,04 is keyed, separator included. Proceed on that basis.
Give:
12,04
